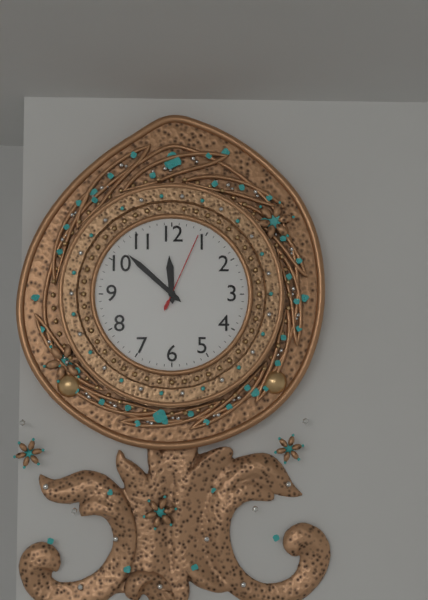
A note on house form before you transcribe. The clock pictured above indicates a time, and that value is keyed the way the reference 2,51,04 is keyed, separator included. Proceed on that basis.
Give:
11,52,04
